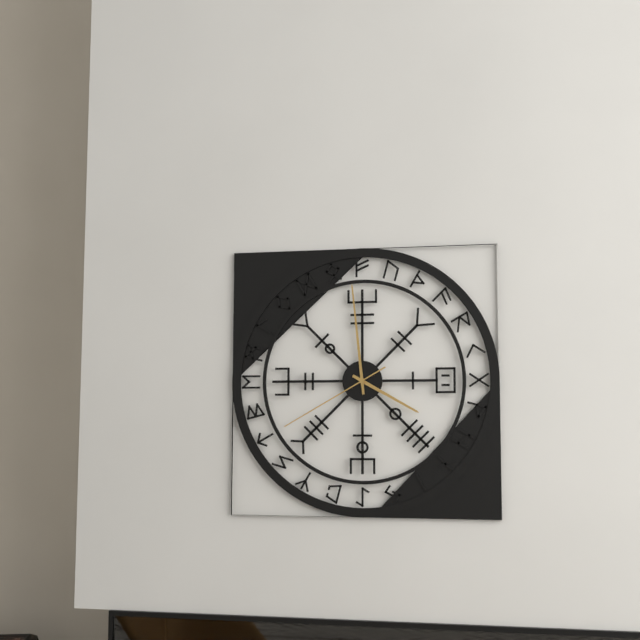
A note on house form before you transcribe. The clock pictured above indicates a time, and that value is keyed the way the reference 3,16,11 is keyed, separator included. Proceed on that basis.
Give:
3,59,40
